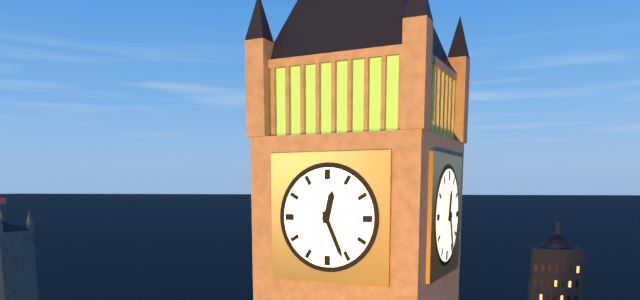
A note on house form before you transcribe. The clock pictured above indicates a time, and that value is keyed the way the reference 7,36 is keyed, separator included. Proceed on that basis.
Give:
12,26
